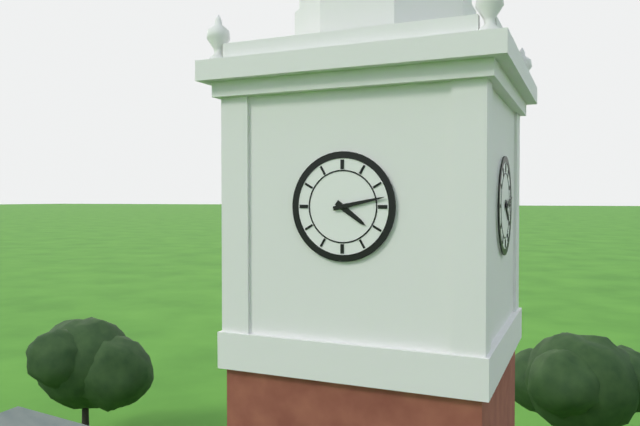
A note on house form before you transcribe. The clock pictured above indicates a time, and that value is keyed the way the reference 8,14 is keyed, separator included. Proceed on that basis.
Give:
4,13
